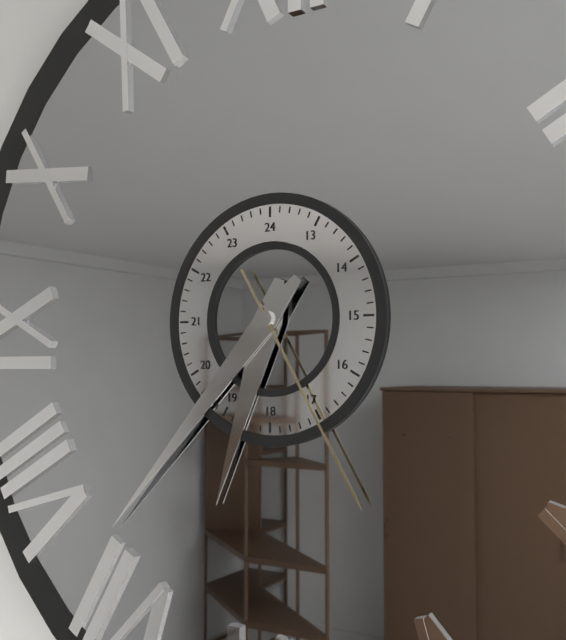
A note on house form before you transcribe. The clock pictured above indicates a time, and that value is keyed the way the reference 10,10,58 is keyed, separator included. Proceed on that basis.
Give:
6,37,25
